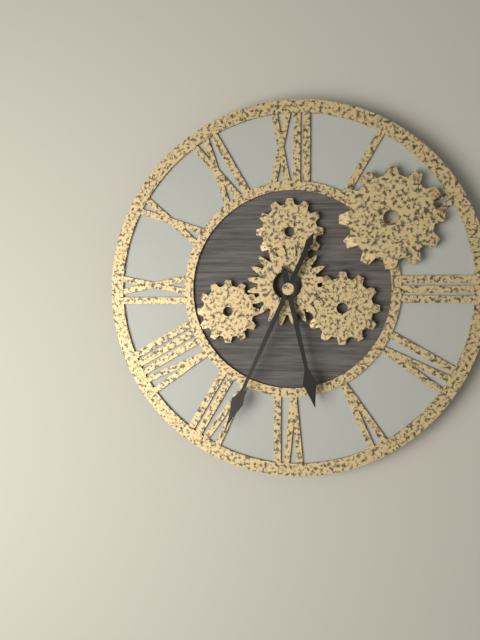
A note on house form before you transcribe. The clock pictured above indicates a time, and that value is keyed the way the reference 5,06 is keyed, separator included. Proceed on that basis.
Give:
5,34
